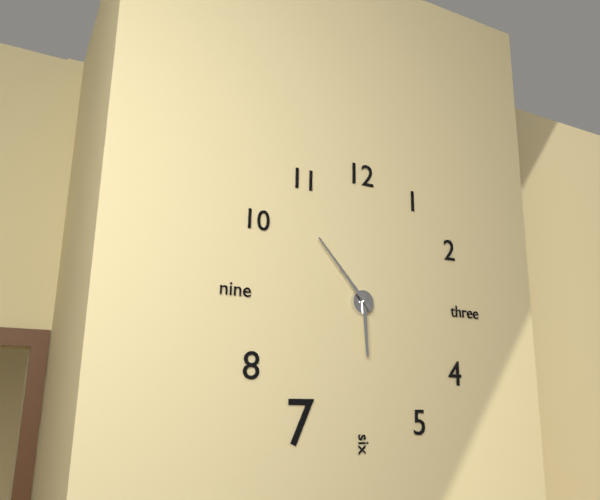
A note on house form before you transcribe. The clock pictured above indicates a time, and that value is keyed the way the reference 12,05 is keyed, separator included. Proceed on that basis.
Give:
5,53
